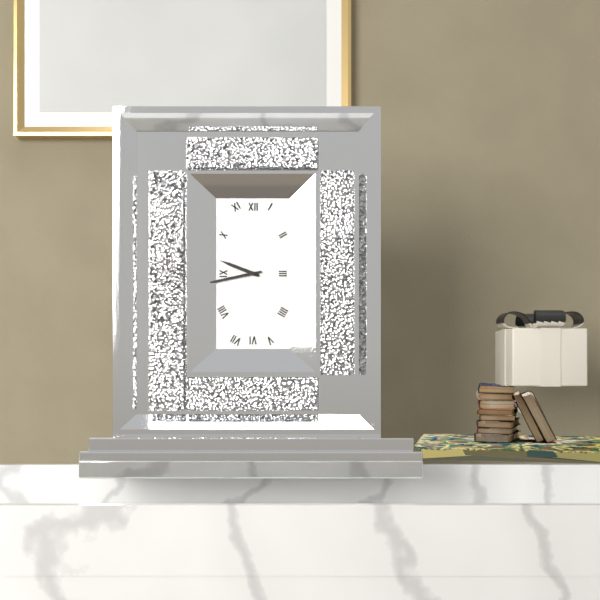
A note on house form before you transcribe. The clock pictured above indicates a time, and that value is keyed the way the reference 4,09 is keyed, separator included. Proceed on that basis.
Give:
9,43
